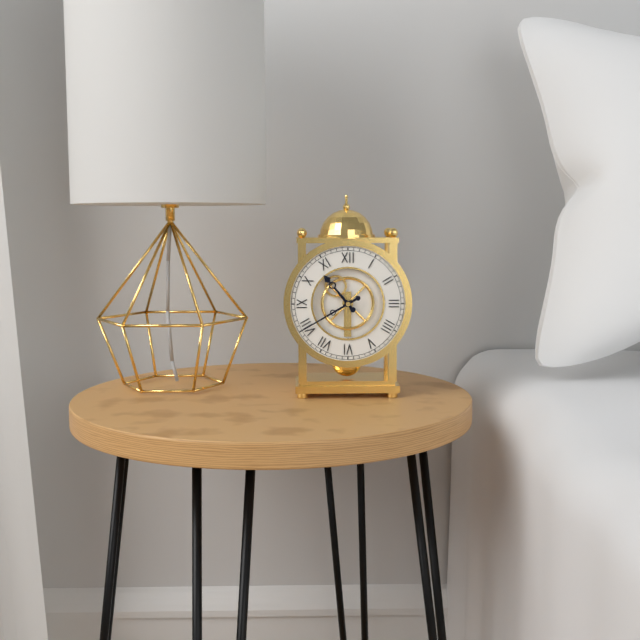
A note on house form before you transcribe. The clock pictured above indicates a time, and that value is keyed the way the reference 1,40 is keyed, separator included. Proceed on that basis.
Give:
10,40
